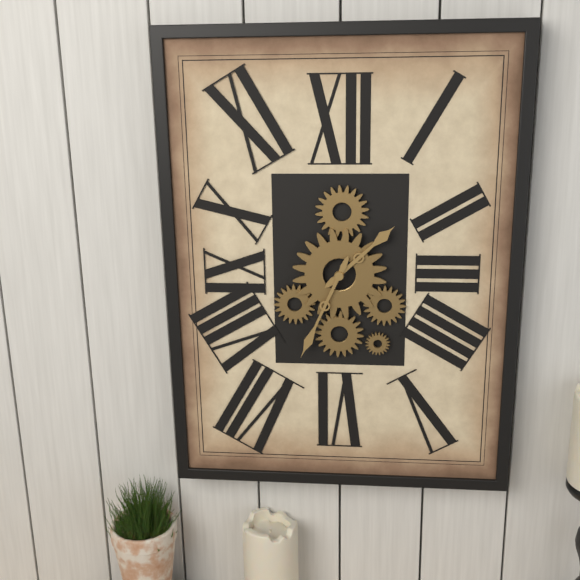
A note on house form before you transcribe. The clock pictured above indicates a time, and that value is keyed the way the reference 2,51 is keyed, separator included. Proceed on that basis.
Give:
1,34
